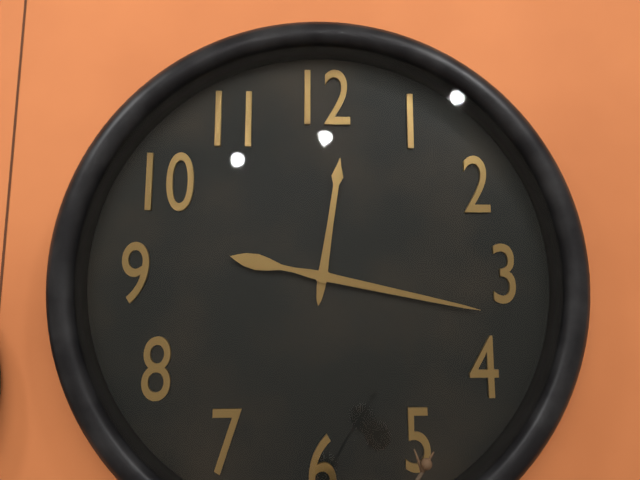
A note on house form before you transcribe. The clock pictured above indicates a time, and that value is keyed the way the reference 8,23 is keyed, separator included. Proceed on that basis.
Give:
12,17
